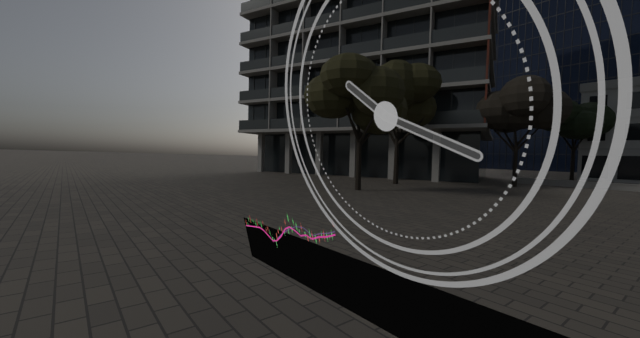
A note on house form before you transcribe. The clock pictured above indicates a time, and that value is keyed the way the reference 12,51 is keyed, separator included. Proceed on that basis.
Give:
10,19
